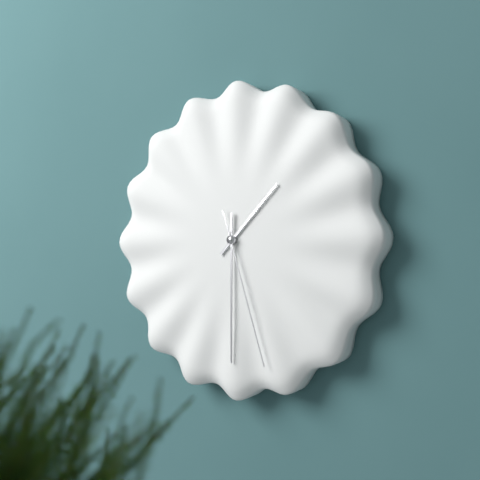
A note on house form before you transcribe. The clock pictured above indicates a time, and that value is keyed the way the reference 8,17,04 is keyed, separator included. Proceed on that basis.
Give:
1,30,27
